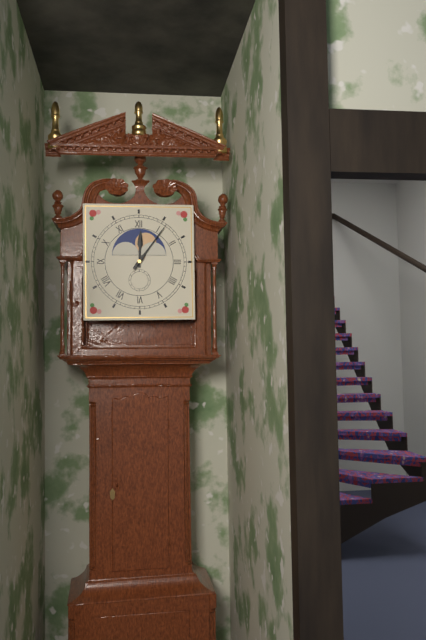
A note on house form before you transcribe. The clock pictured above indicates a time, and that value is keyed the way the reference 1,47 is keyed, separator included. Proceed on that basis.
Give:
12,06
